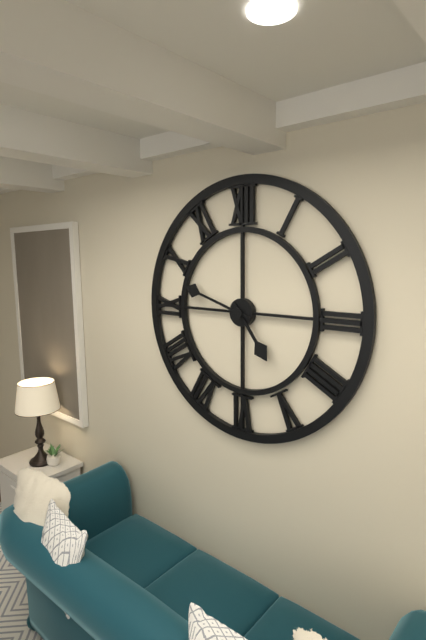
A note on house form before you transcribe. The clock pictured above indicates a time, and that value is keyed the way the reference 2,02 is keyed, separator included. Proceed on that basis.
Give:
4,48
